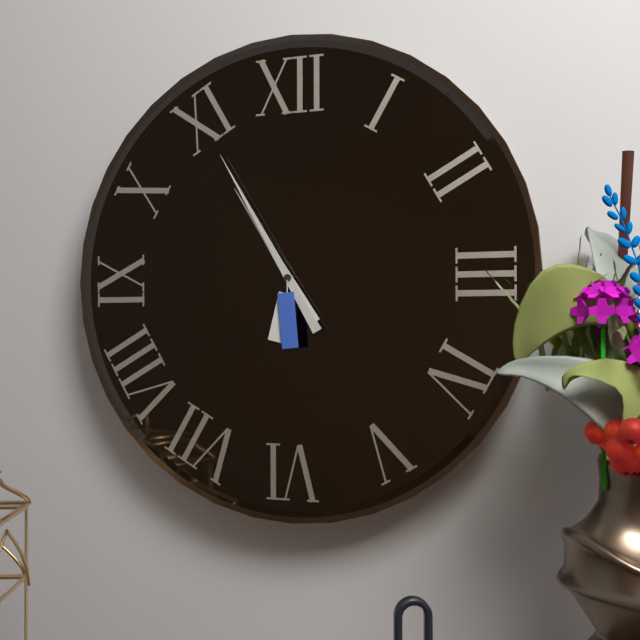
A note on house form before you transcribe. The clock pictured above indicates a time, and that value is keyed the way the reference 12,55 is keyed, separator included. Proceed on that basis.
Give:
10,55
